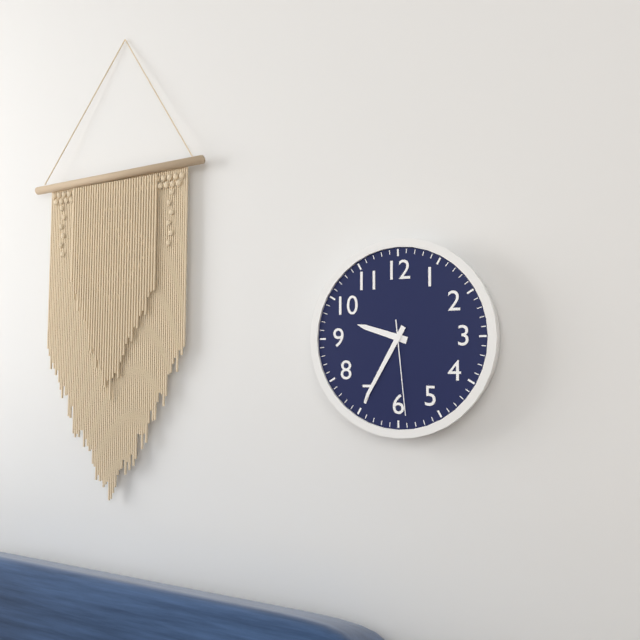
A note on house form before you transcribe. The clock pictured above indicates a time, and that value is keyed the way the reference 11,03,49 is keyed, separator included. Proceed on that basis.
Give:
9,35,29
